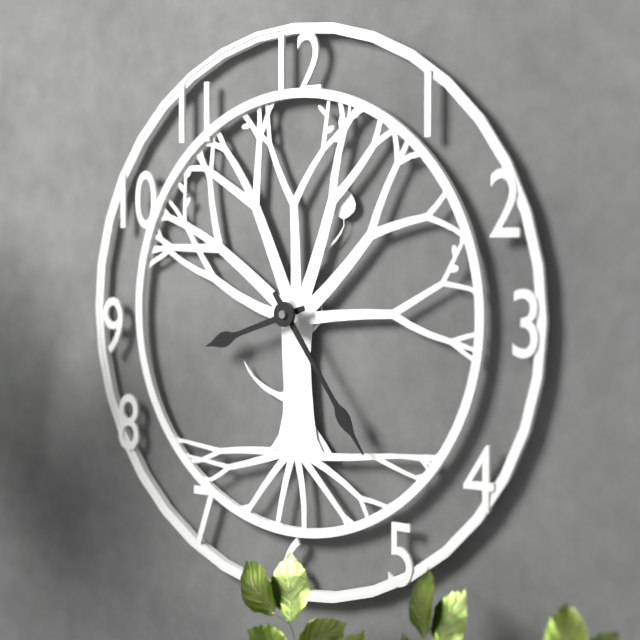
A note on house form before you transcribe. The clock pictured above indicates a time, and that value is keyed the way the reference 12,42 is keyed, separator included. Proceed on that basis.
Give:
8,24
